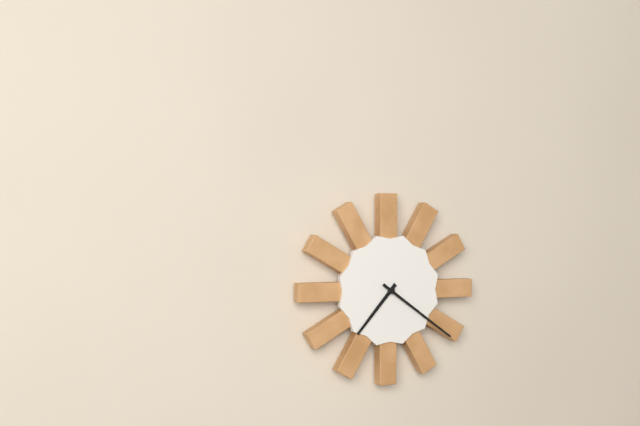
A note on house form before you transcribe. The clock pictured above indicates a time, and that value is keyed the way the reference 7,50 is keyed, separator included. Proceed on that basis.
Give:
7,21
